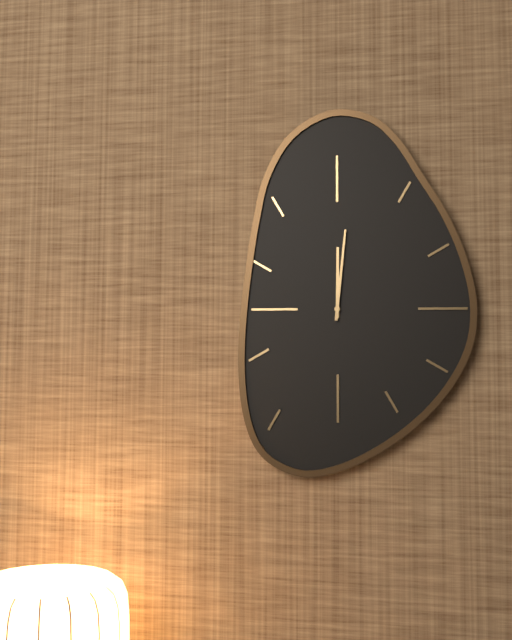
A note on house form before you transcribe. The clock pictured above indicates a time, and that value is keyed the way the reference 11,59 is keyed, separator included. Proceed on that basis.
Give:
12,01
